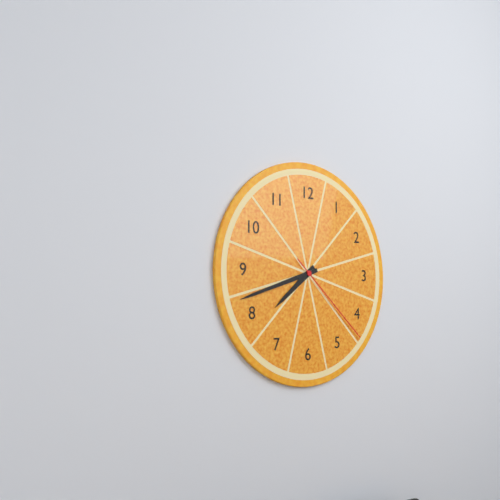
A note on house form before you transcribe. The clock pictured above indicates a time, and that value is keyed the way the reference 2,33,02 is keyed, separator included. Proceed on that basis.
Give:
7,42,22
